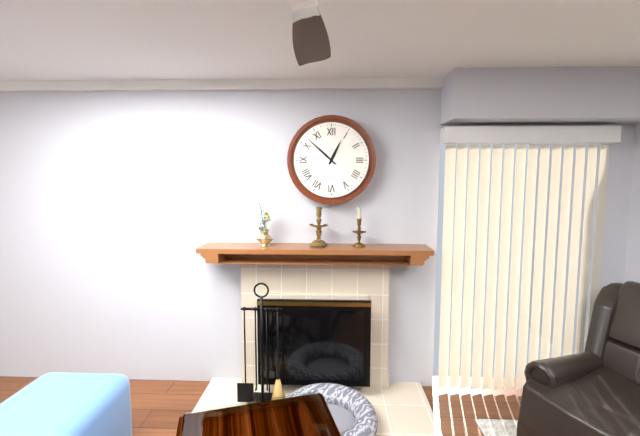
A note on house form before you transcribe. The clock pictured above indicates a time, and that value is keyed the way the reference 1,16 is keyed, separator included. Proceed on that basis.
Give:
12,52
